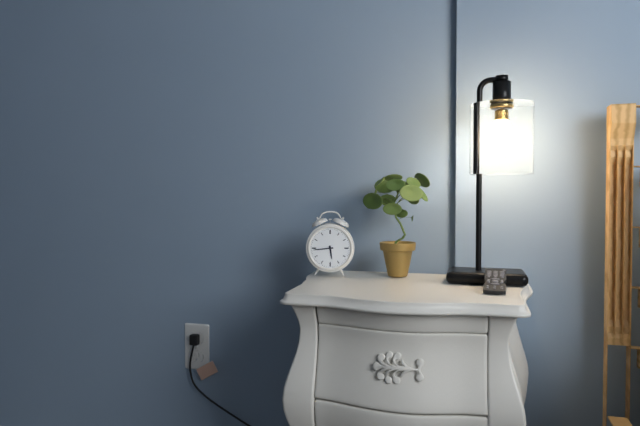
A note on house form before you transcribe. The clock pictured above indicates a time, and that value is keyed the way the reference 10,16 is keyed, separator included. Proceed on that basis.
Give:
5,44
